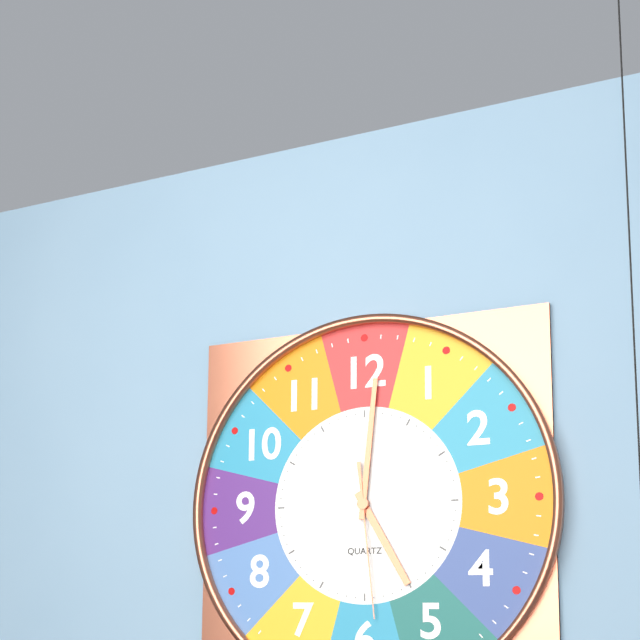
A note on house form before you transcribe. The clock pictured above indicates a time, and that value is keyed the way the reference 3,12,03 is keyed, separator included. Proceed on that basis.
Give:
5,01,29
